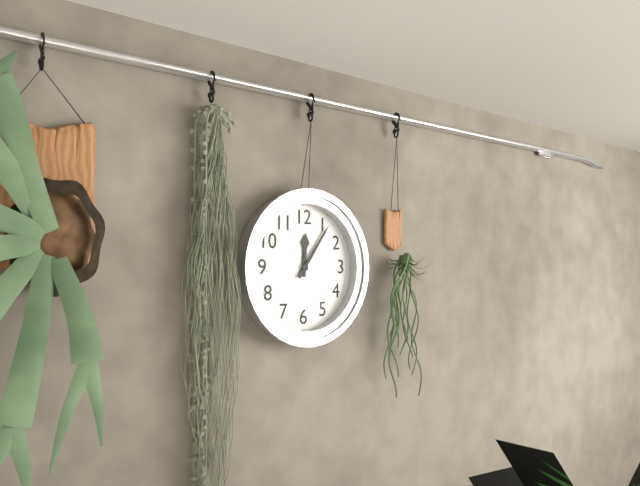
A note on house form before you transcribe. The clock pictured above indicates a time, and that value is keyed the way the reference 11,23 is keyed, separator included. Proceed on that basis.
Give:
12,06
